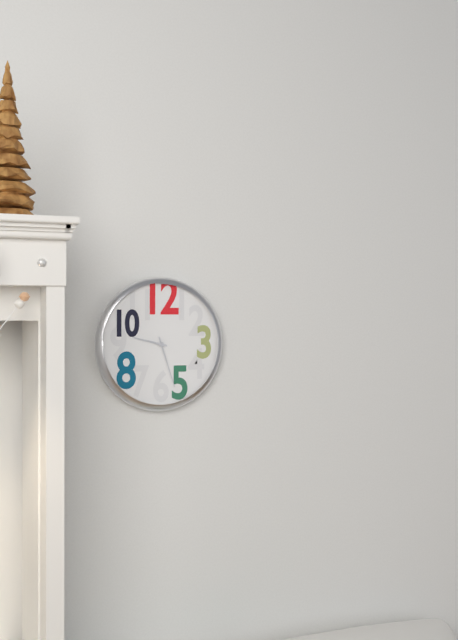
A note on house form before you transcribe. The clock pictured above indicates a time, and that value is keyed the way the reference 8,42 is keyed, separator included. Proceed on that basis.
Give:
9,27
